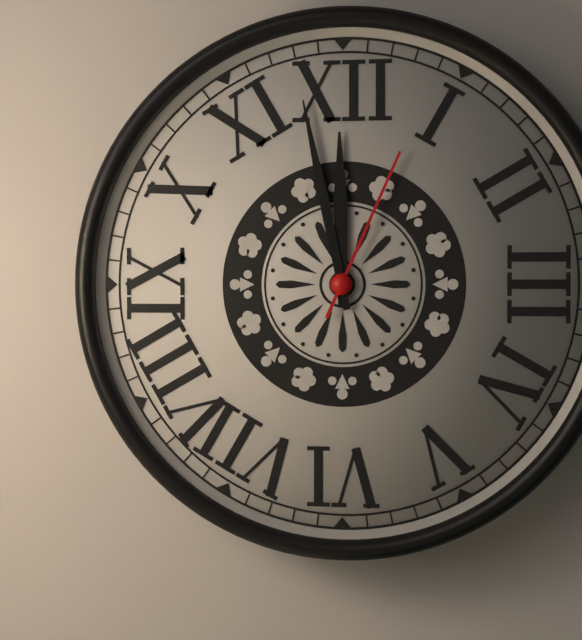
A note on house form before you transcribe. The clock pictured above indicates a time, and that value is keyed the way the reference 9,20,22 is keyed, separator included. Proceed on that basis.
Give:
11,58,04
